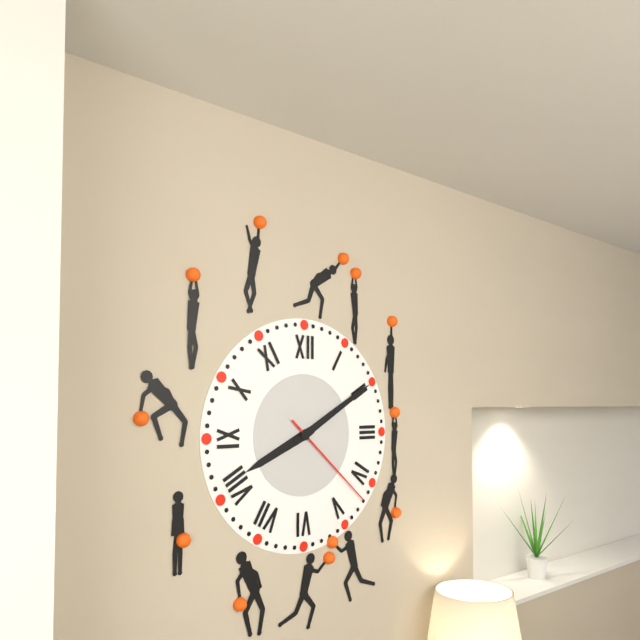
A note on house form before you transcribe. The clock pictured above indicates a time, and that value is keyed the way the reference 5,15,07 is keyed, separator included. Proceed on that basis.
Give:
8,10,22
